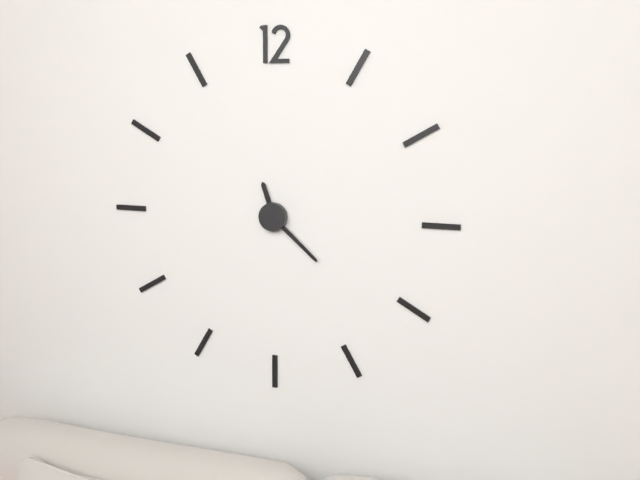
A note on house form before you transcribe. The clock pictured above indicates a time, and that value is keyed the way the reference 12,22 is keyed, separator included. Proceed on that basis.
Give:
11,22
